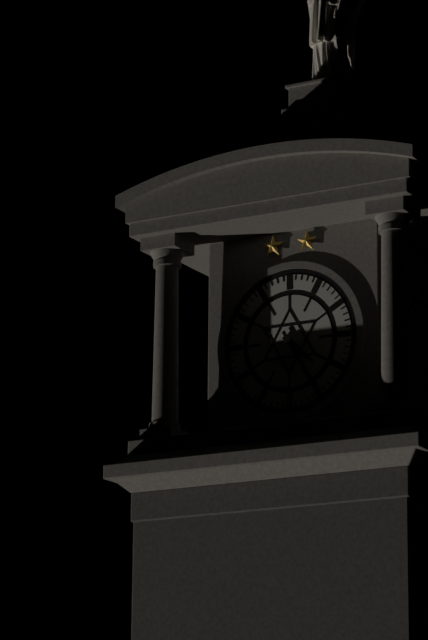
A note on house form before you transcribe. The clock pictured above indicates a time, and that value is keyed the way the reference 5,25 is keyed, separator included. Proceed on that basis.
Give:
4,25
